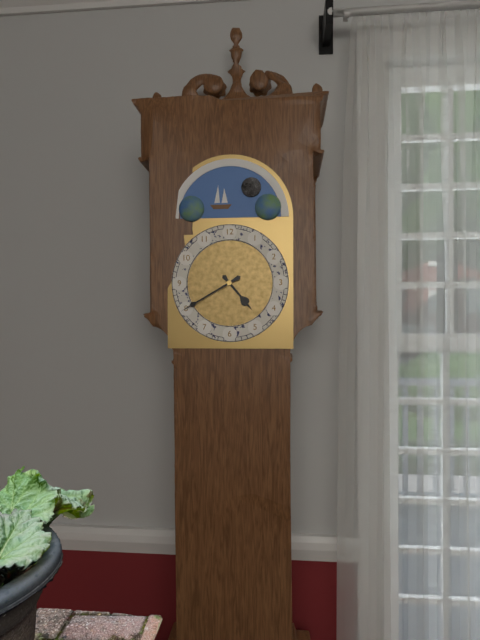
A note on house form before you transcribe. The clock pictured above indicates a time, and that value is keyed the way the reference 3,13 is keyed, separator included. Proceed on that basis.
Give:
4,40
